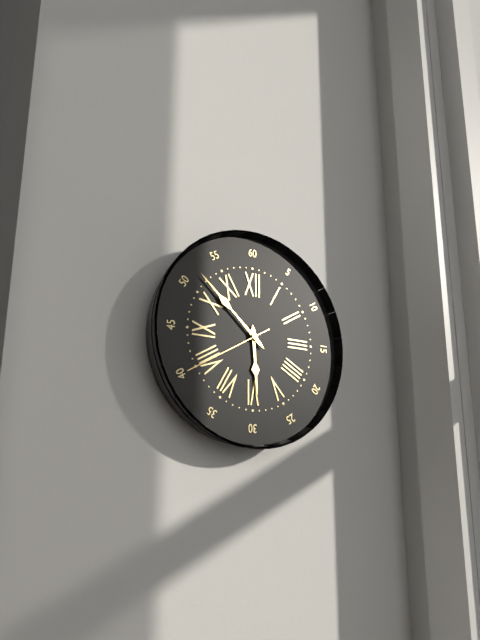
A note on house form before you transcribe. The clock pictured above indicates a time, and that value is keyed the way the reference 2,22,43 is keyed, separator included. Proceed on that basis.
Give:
5,52,40
